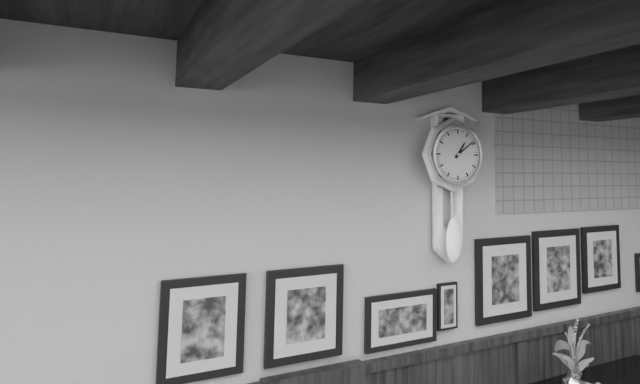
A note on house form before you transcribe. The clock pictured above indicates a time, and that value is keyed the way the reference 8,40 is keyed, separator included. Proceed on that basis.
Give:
1,09
